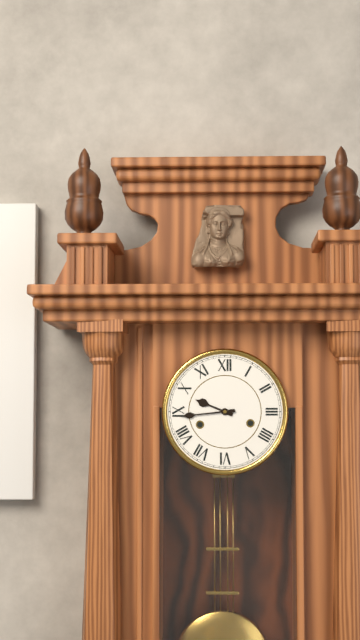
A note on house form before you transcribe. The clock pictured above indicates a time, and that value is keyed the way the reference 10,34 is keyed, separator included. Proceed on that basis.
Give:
9,44
